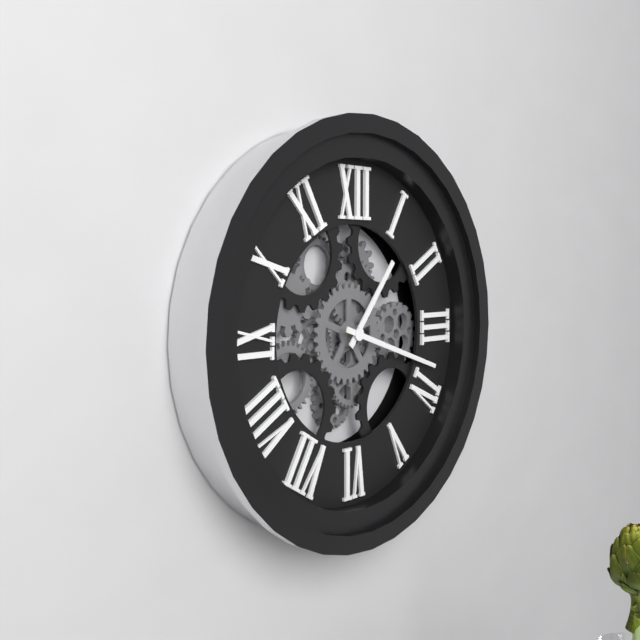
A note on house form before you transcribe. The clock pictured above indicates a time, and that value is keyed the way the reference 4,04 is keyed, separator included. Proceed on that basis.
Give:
1,18
